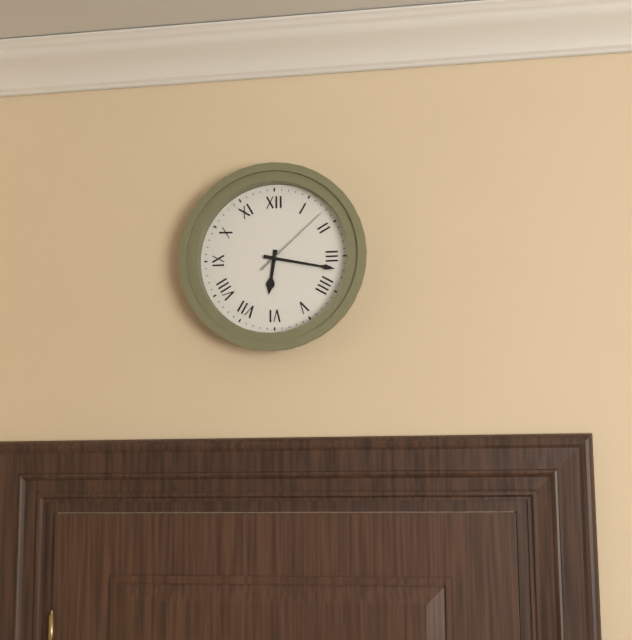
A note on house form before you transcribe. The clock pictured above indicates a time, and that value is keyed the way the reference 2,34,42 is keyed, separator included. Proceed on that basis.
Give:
6,17,08
